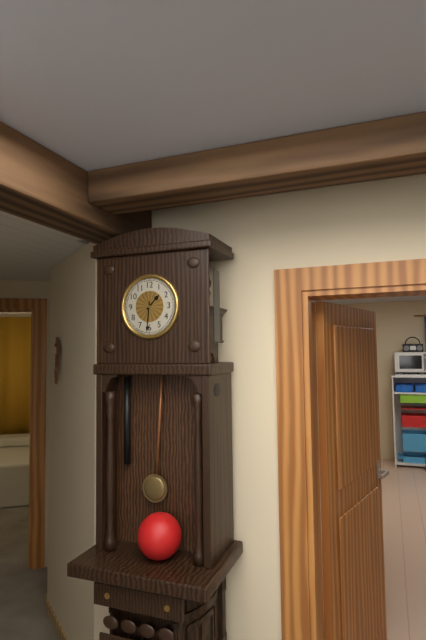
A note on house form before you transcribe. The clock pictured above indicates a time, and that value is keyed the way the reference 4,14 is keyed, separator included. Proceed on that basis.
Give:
1,31
